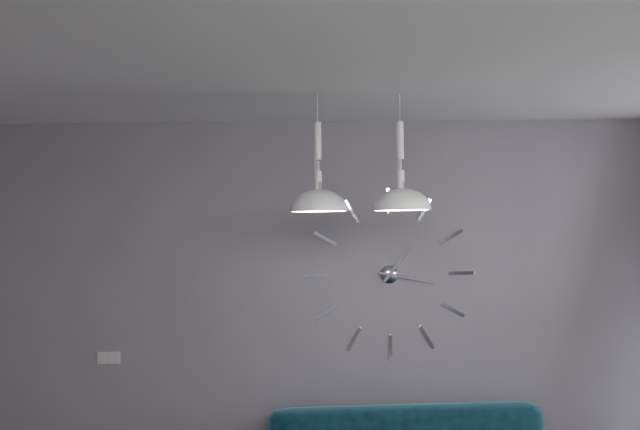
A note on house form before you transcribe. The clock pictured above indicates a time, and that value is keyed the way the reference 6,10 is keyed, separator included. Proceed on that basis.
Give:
1,17
